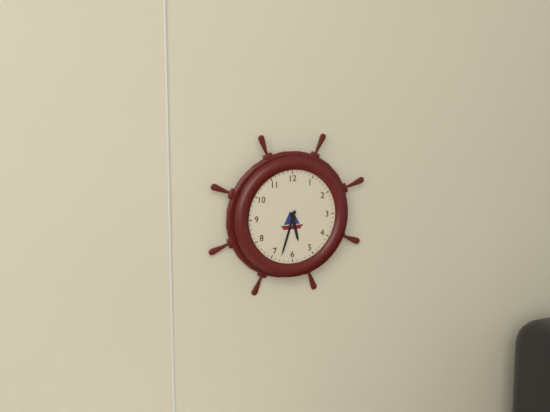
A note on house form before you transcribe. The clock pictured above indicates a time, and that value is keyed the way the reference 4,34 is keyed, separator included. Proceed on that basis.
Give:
5,33
